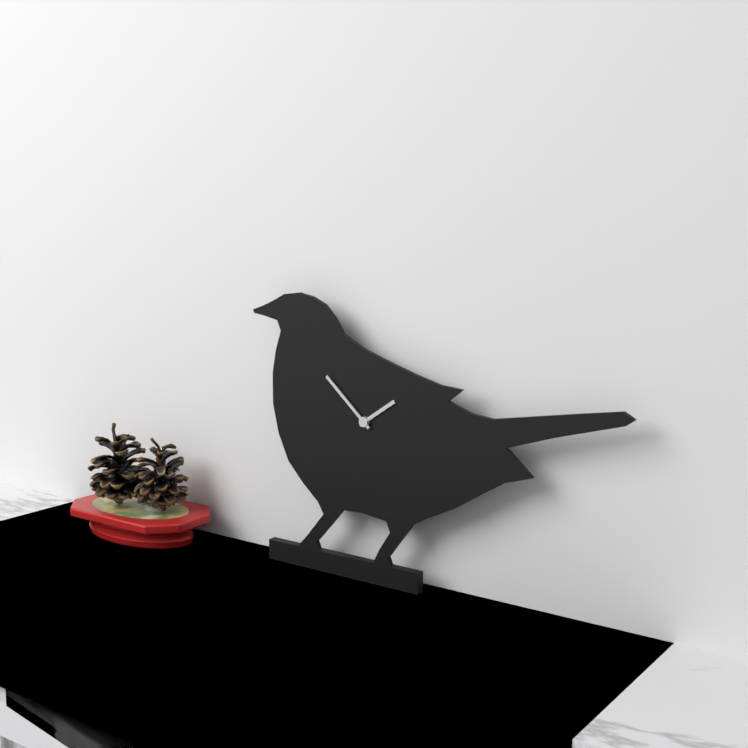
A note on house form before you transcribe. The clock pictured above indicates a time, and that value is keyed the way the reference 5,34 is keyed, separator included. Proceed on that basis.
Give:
1,52
